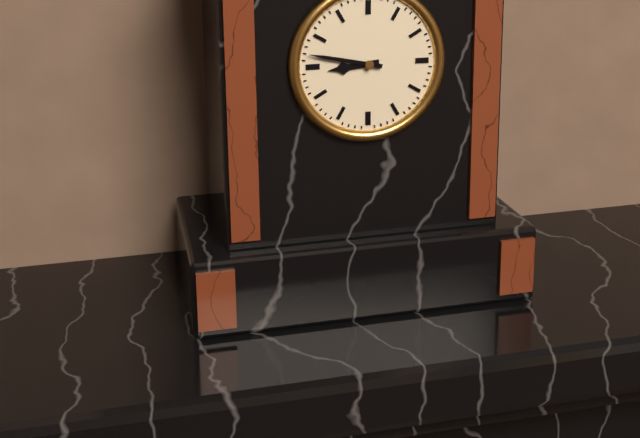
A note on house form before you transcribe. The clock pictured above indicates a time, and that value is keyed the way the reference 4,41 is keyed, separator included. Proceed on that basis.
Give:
8,47
